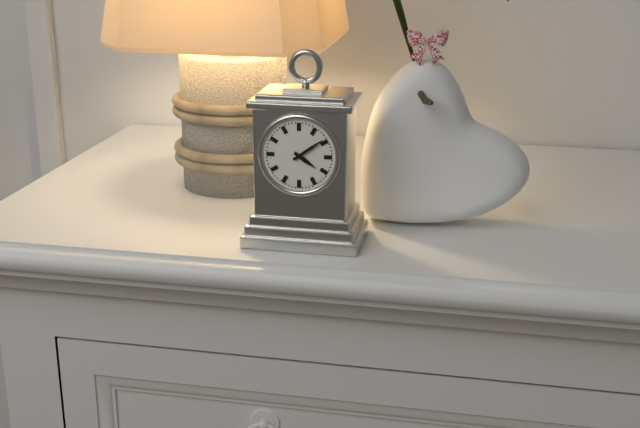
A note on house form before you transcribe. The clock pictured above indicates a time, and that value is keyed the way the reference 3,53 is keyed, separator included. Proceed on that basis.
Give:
4,09
